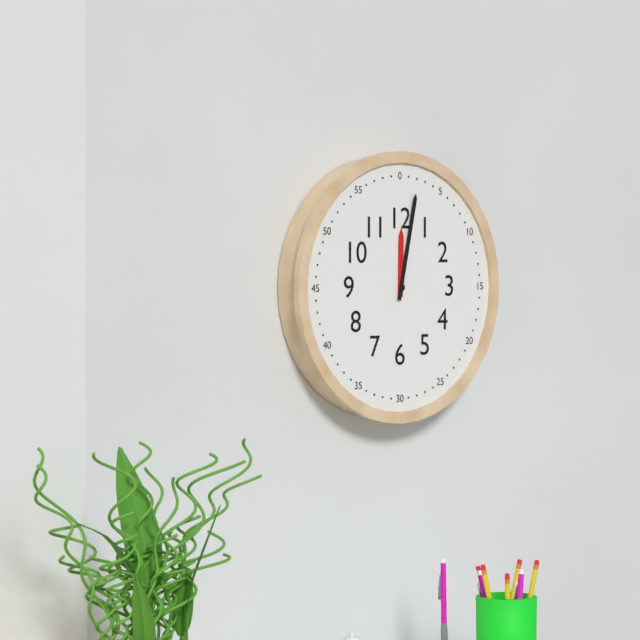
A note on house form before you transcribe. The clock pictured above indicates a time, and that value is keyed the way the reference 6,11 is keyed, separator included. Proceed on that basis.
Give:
12,02
